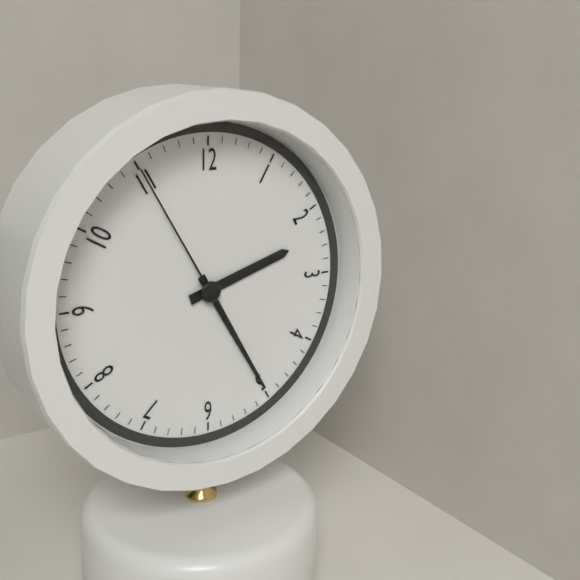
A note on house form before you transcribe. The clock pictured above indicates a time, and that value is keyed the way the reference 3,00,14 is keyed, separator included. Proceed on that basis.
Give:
2,25,55
